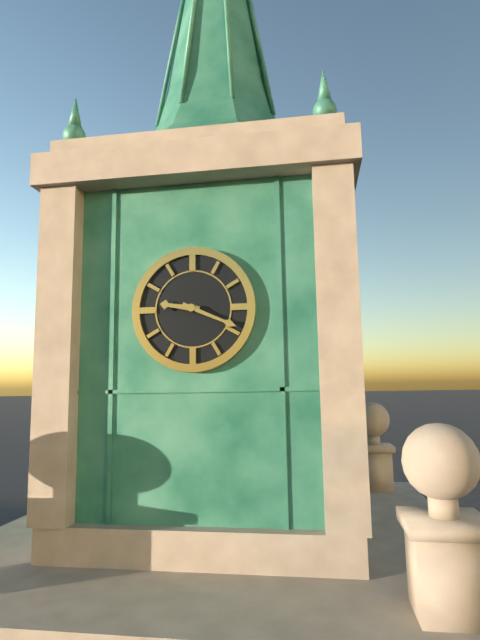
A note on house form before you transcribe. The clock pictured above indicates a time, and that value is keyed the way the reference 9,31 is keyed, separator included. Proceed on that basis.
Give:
9,19
